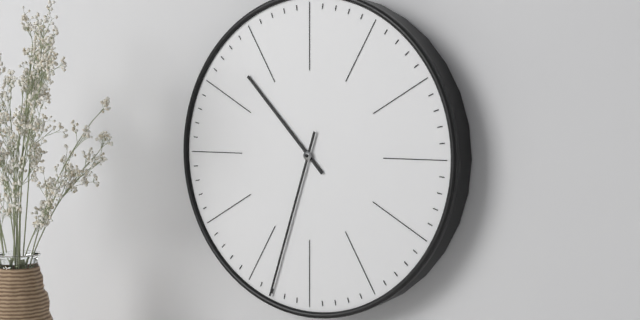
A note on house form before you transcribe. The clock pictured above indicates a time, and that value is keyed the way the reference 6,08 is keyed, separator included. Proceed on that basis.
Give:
10,33
